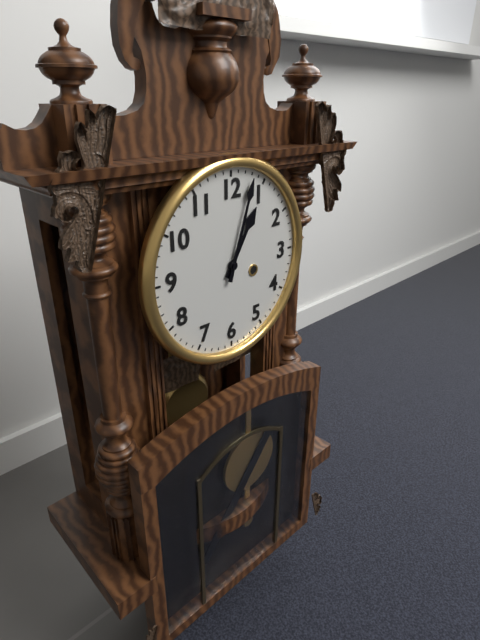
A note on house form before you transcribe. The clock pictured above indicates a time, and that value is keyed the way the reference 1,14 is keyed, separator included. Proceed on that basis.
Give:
1,03
